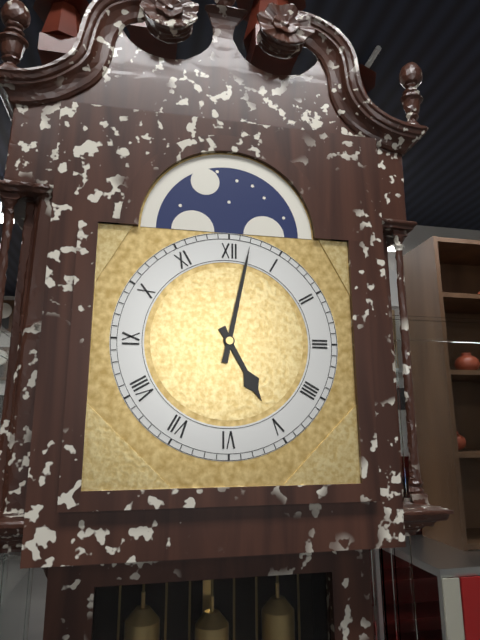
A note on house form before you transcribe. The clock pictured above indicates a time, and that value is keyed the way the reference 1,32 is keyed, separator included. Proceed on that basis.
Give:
5,02
